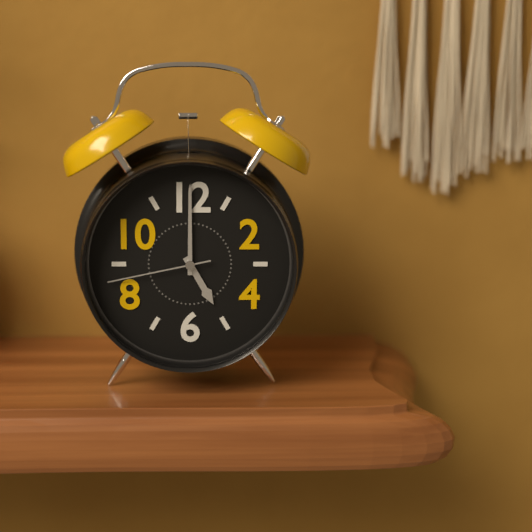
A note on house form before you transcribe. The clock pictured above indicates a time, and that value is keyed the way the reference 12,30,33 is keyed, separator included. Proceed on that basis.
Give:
5,00,43
